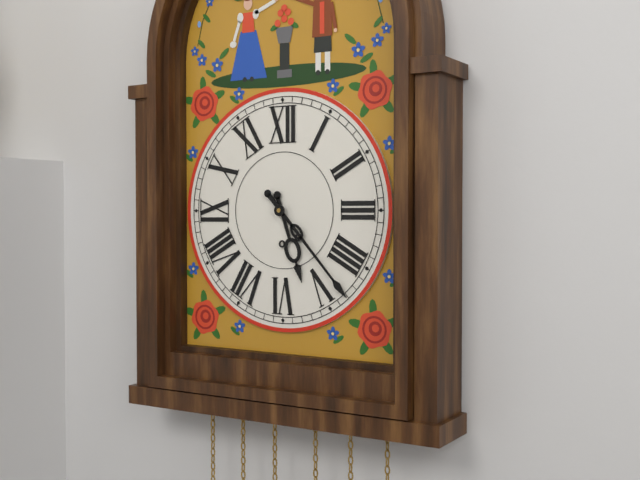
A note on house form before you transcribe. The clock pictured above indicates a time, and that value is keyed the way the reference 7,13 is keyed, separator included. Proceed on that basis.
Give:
5,23
